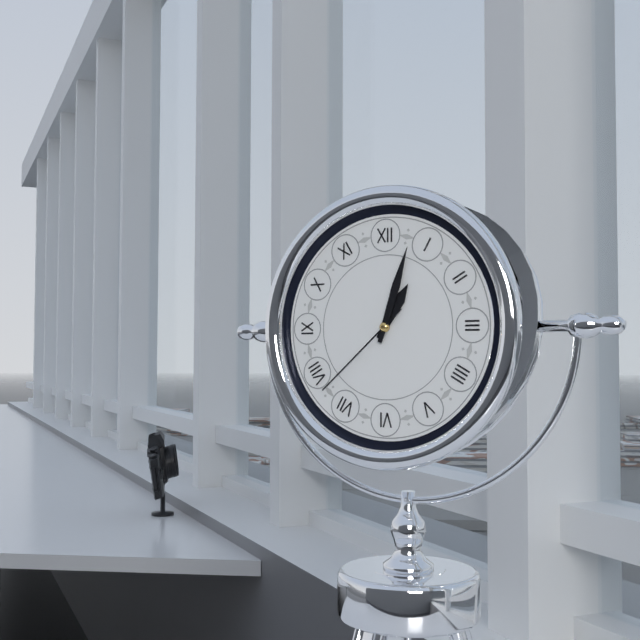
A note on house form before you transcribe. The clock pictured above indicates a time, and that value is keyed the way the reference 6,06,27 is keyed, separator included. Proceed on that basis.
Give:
1,03,38
